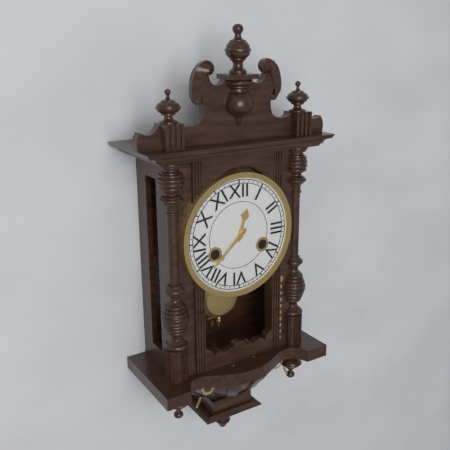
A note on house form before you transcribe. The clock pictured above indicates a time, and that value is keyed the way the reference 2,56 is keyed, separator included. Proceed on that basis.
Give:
12,38
